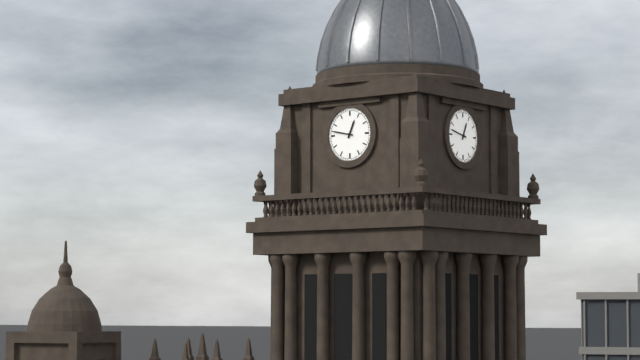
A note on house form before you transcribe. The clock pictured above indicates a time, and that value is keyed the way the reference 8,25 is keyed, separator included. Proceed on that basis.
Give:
12,47
